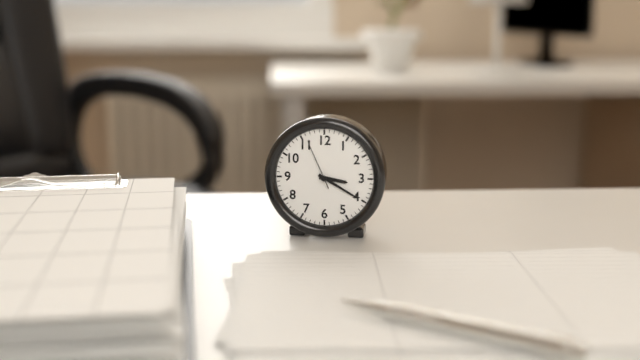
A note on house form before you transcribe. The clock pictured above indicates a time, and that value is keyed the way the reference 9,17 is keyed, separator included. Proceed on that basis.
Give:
3,20
